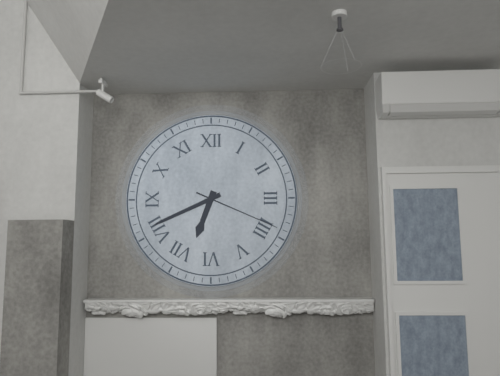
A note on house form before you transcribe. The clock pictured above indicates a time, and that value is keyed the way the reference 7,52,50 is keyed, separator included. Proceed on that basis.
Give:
6,41,19
